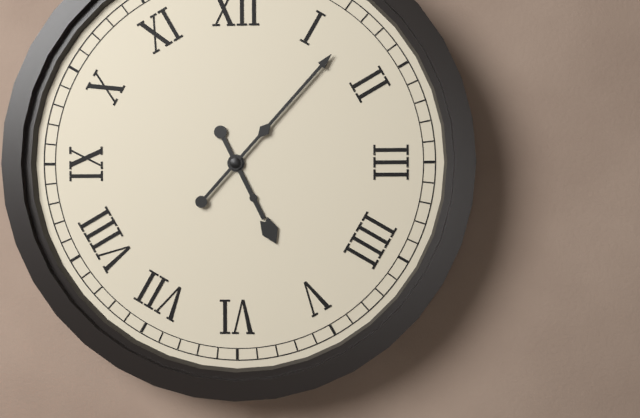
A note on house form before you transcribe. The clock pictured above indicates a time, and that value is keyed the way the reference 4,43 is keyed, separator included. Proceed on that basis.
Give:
5,07
